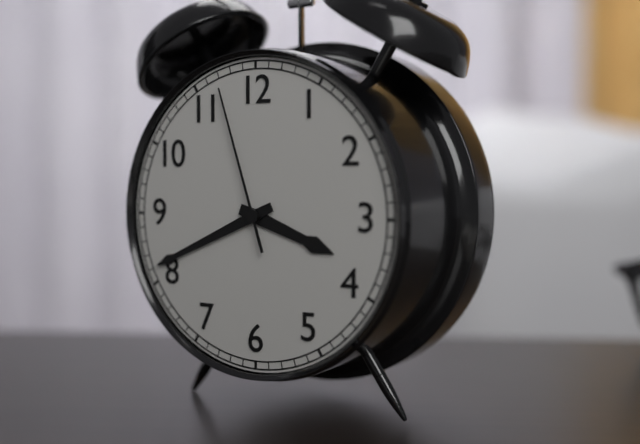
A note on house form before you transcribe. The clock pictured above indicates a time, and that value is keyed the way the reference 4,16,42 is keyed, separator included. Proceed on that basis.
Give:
3,41,57
